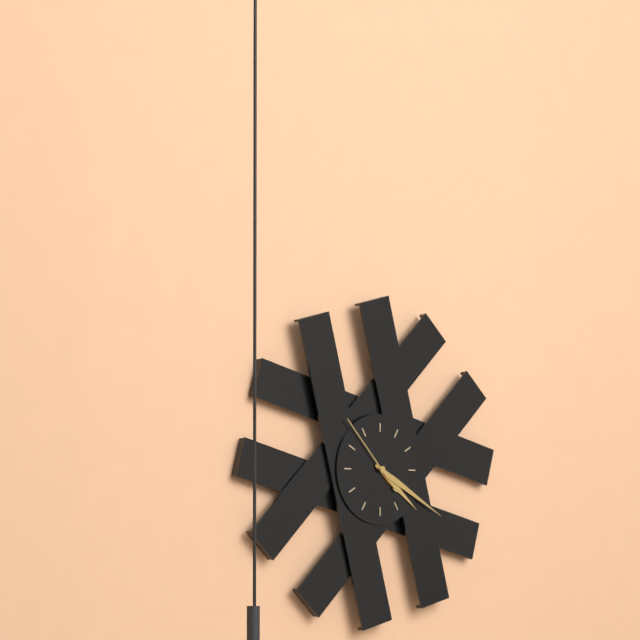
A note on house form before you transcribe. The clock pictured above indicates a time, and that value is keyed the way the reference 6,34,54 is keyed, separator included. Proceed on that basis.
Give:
4,20,53
